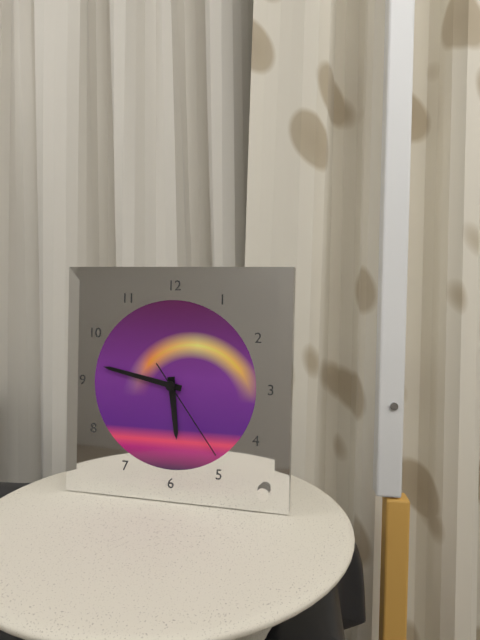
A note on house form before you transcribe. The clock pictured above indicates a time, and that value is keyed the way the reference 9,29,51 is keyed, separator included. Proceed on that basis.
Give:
5,47,24
